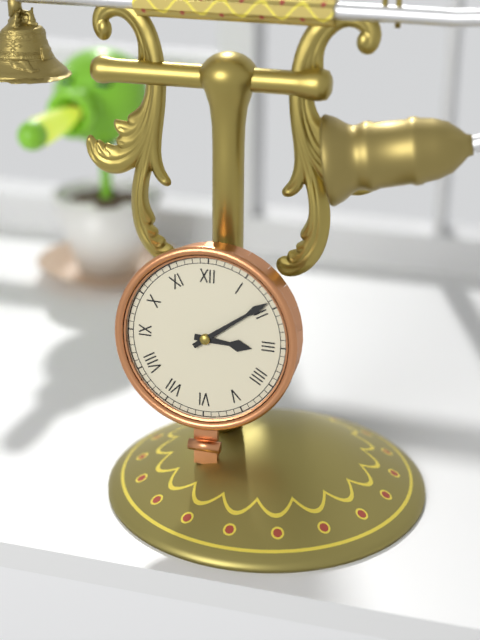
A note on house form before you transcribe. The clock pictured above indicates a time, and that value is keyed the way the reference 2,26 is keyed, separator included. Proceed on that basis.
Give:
3,09
